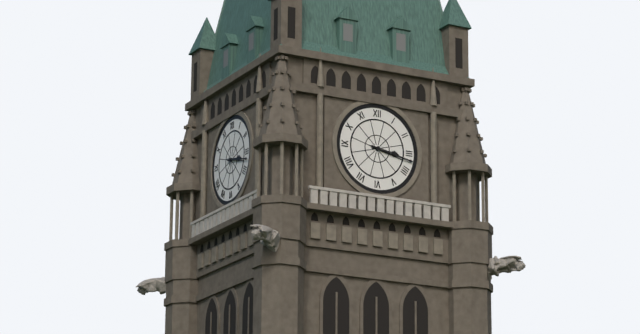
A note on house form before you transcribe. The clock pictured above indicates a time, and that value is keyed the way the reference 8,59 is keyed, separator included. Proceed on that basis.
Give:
3,17
